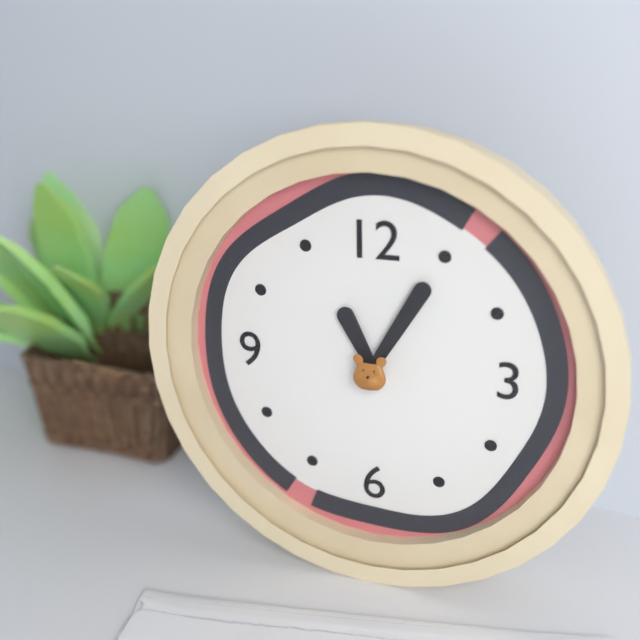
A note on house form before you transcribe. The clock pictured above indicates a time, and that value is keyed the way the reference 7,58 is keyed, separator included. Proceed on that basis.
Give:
11,05
